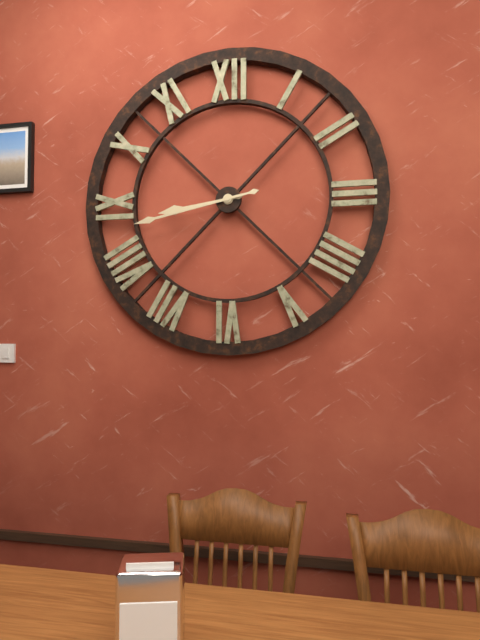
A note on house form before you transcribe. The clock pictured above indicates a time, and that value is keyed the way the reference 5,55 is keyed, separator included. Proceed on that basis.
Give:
8,43
